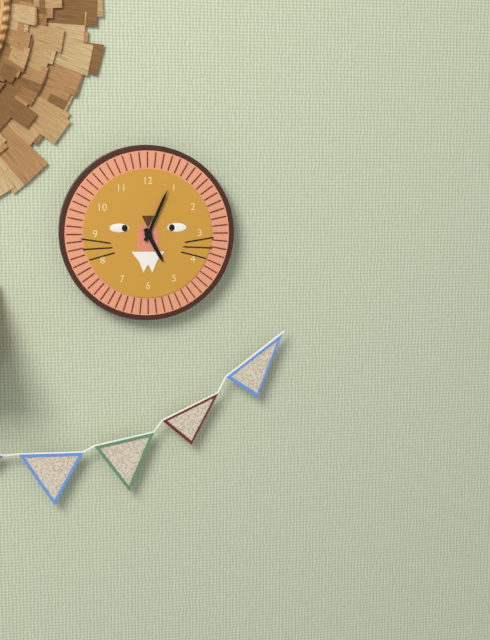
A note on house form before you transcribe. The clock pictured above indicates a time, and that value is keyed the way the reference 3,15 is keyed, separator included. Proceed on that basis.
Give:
5,04
